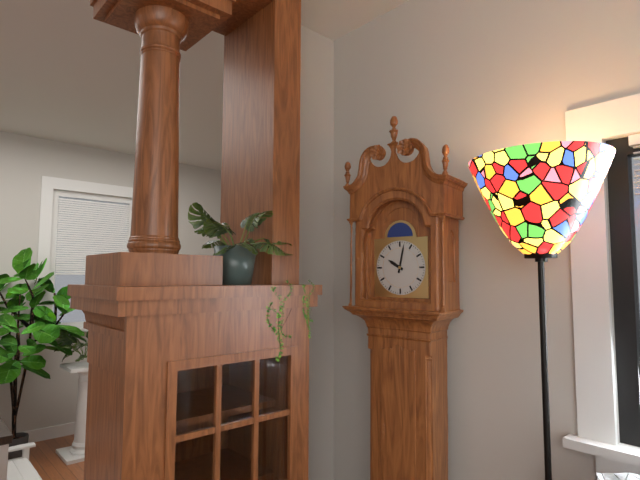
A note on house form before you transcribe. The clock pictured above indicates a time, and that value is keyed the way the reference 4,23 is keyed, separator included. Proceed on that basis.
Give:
10,02
